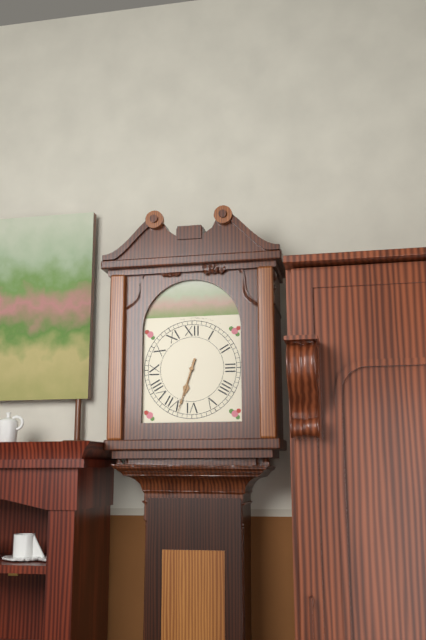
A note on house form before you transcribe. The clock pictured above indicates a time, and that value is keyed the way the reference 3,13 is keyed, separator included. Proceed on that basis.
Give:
6,33
